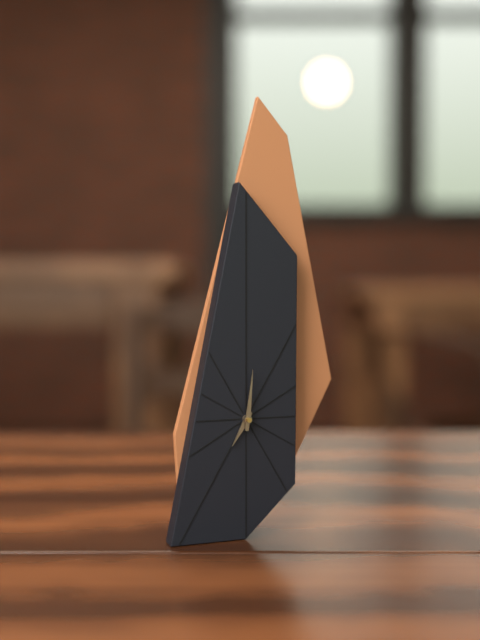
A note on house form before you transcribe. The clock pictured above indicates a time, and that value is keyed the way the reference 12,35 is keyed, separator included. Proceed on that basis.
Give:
7,01
